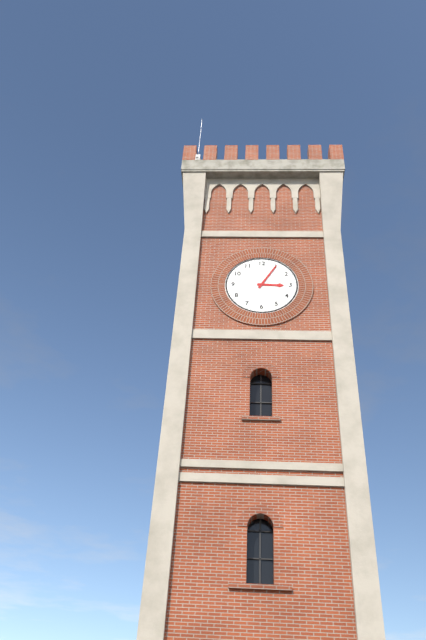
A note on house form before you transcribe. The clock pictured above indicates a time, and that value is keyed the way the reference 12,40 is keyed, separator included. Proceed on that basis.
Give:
3,05
